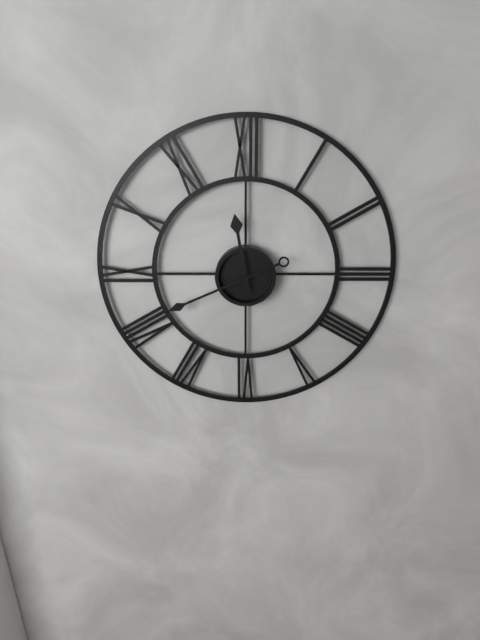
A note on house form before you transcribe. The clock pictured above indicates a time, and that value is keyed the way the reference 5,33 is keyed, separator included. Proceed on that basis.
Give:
11,41
